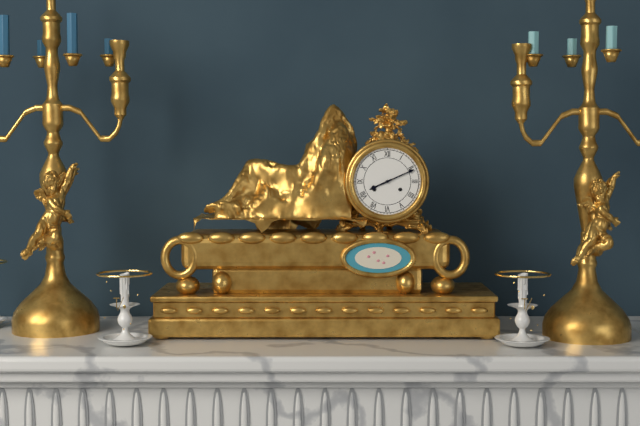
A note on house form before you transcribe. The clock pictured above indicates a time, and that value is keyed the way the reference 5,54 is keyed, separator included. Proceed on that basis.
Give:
8,11
